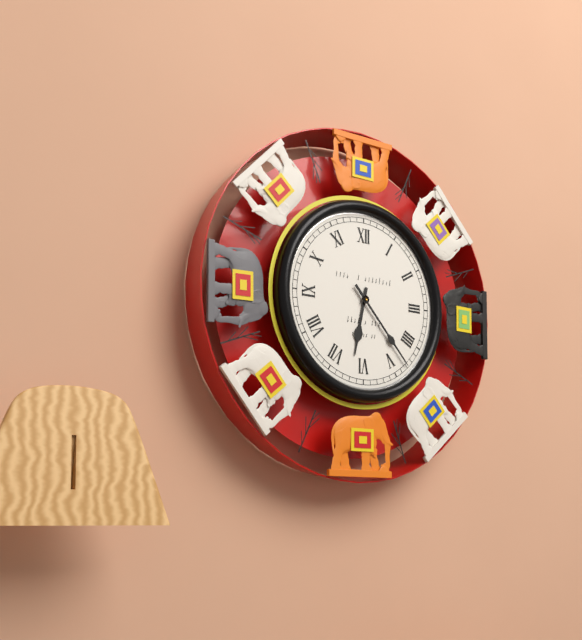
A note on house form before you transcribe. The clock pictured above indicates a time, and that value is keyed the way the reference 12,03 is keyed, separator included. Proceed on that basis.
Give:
6,23
